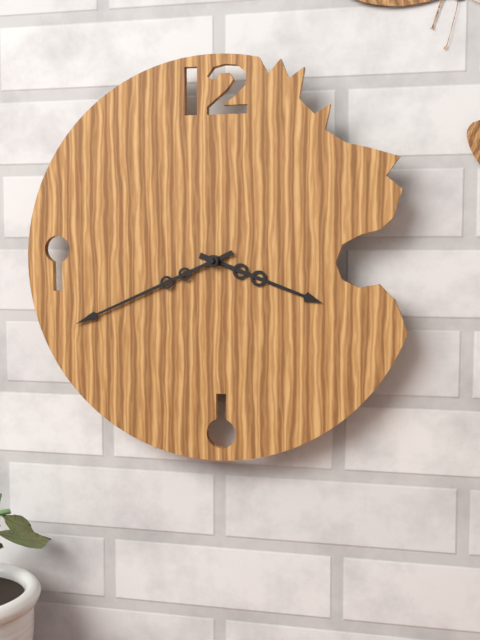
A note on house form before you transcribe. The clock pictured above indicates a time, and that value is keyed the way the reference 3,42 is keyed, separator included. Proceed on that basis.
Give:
3,41
